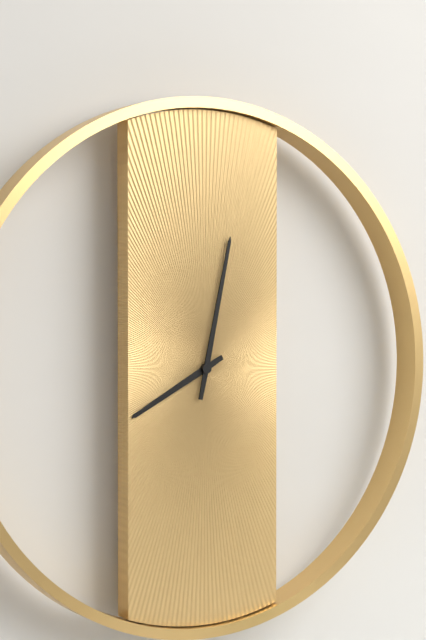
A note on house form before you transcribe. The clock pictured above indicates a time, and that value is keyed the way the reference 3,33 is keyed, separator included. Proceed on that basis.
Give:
8,02
